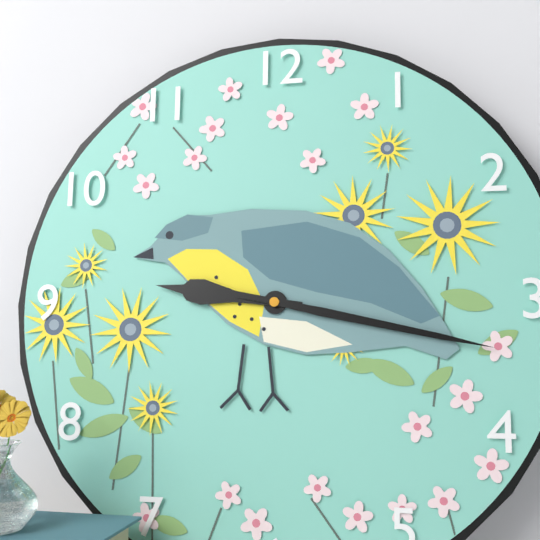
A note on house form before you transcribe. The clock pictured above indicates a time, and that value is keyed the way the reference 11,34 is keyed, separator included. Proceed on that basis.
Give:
9,17
